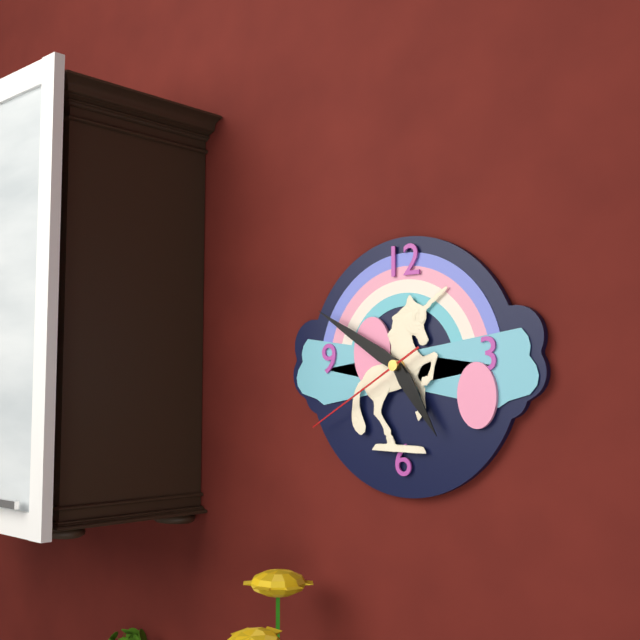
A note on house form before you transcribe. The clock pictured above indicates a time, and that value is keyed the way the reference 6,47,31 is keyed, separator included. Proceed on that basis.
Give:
4,50,40
